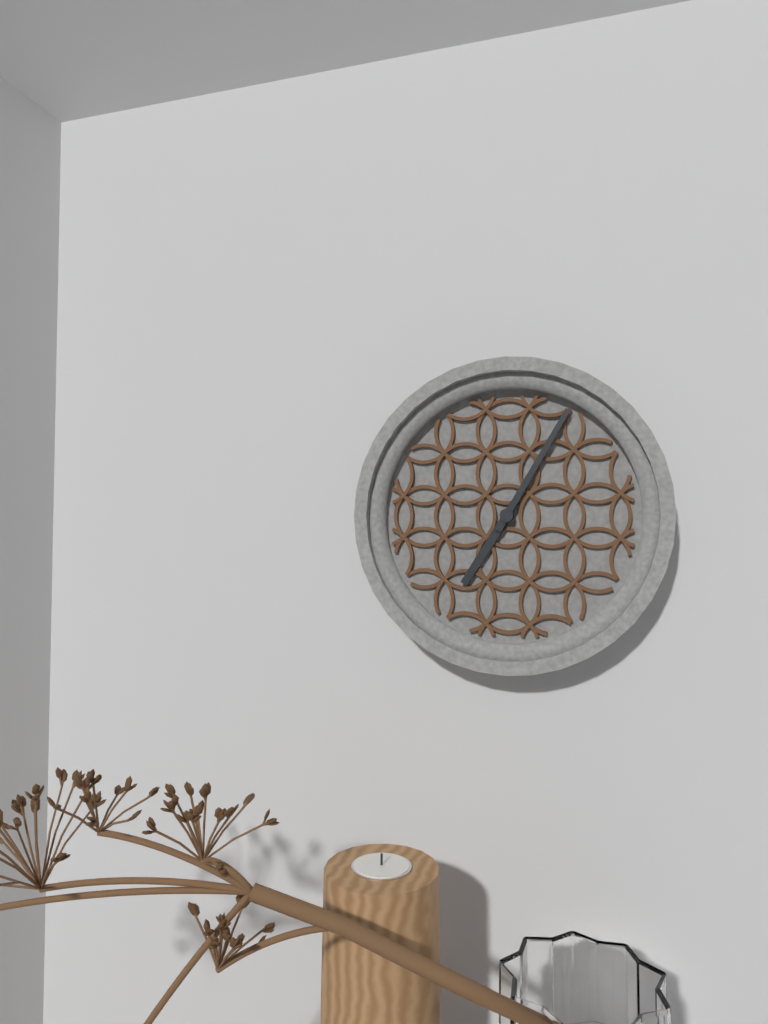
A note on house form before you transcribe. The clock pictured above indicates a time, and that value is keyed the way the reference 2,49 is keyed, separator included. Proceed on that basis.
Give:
7,05
